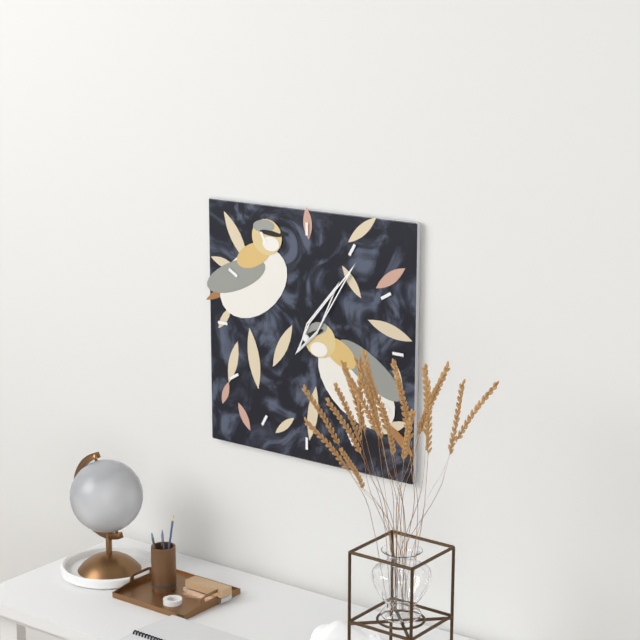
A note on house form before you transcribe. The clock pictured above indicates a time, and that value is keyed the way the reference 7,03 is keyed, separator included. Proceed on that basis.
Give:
1,06
